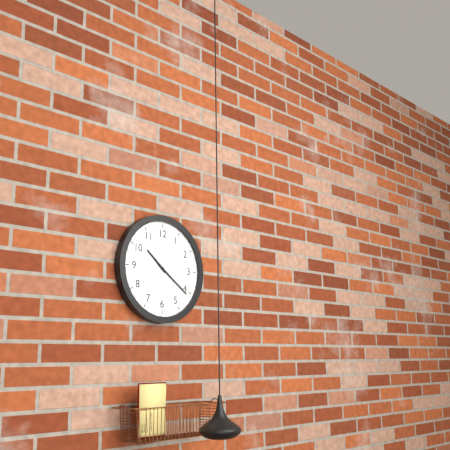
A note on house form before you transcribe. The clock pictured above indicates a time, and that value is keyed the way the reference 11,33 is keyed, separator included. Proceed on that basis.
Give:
10,21
